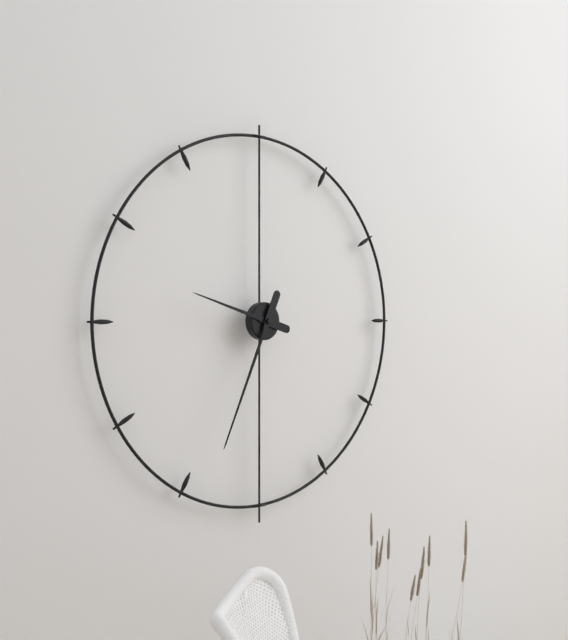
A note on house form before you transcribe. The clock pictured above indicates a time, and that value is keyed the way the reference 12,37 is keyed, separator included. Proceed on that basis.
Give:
9,34
